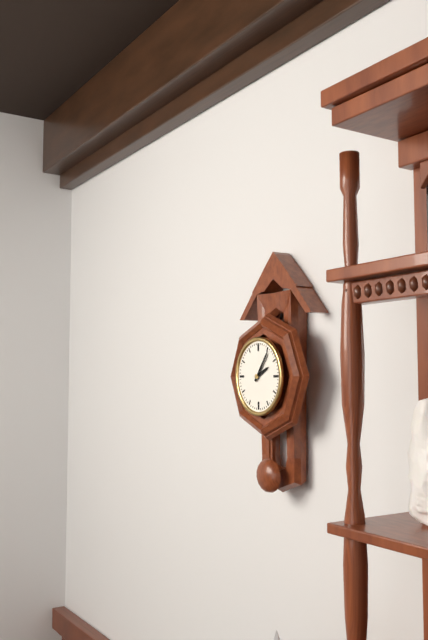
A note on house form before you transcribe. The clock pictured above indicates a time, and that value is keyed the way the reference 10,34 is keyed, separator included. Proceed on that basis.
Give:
2,06
